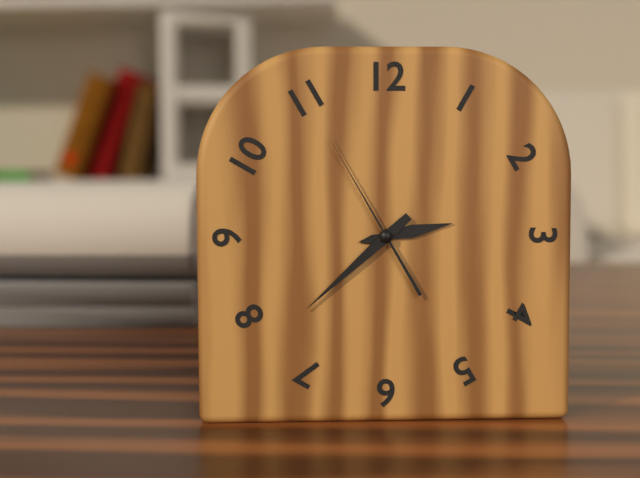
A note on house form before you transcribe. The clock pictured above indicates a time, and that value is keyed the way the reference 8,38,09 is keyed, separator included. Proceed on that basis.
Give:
2,38,55
